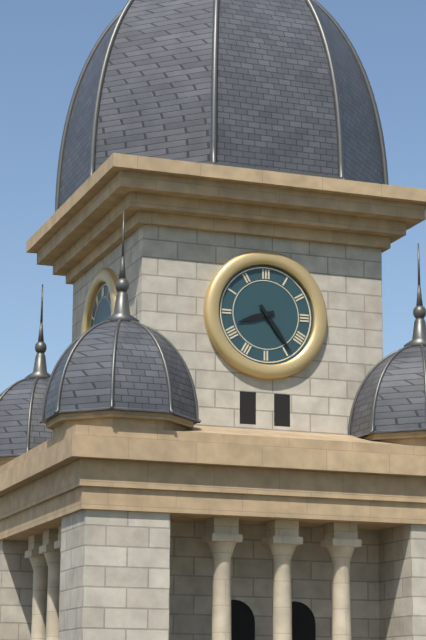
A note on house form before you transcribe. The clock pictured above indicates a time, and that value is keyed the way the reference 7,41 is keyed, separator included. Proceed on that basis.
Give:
8,24
